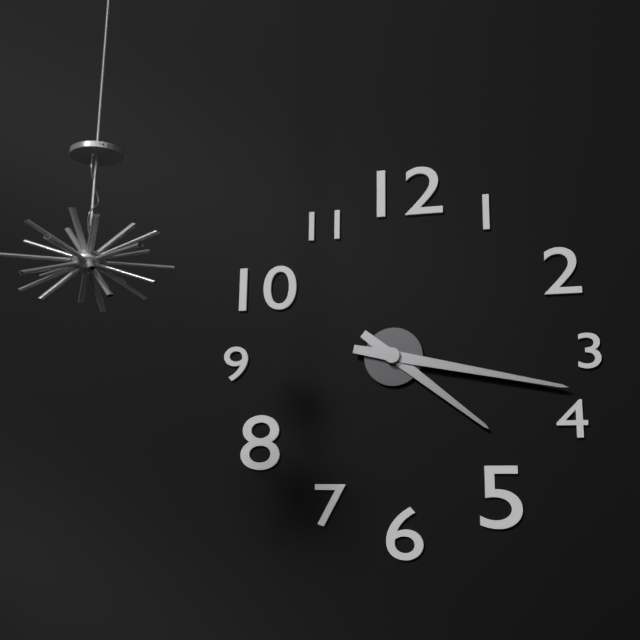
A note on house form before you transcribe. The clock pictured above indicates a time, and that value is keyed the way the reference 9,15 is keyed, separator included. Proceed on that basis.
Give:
4,17
